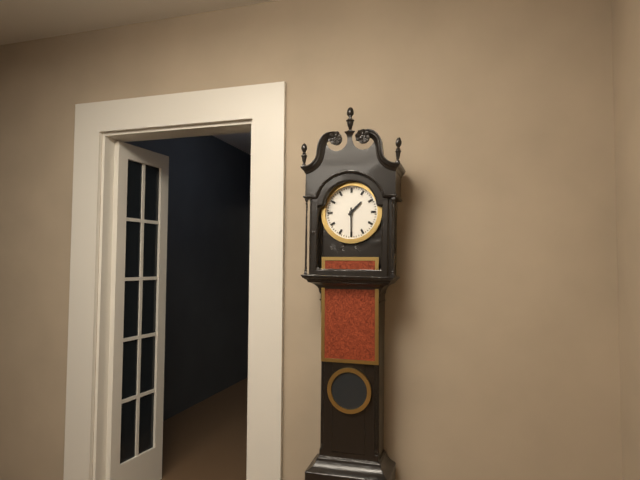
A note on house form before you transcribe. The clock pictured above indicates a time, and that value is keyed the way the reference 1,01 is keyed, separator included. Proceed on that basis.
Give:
1,30
